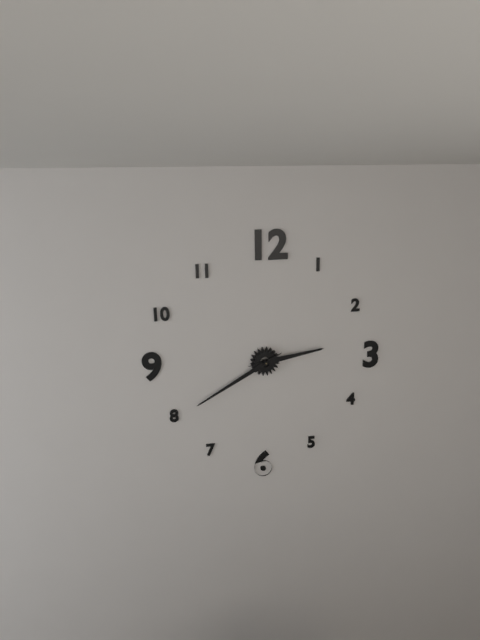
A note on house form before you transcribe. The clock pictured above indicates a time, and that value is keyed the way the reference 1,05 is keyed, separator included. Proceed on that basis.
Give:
2,40
